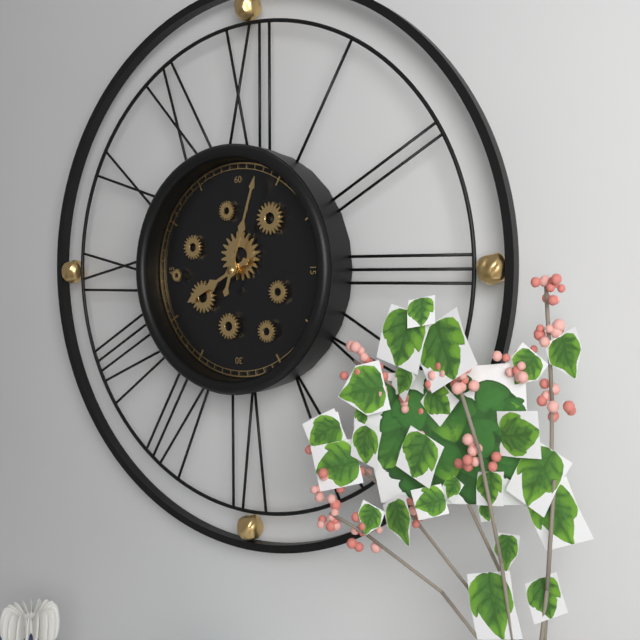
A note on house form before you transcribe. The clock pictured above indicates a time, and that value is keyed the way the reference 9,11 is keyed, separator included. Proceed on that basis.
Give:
8,03
